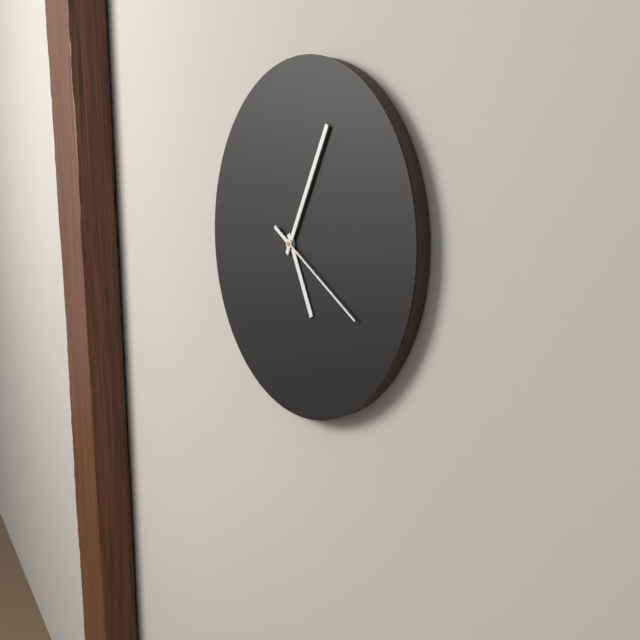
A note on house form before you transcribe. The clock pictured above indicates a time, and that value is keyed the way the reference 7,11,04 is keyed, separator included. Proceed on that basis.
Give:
5,05,20
